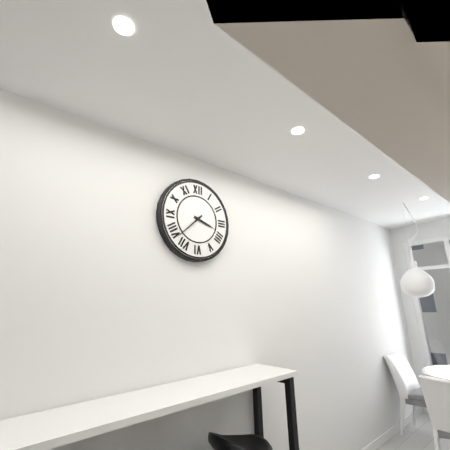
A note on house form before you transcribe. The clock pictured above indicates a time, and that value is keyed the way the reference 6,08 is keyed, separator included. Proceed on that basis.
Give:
3,38
